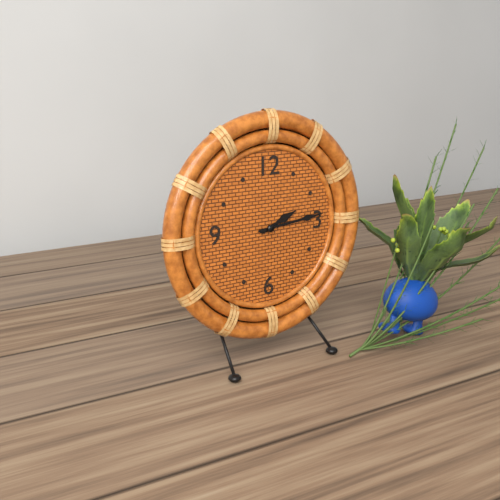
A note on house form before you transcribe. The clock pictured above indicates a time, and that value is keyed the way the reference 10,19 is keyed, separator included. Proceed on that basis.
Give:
2,14
